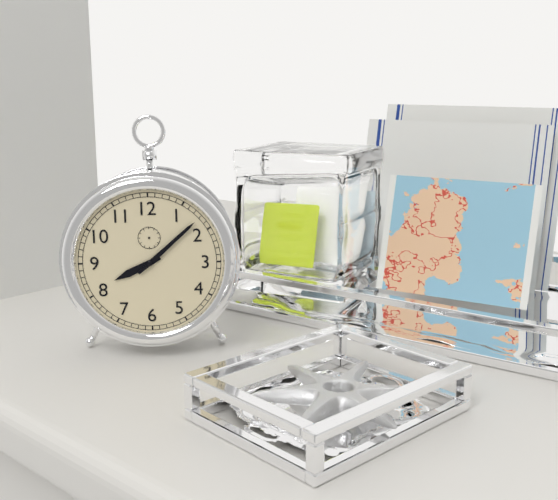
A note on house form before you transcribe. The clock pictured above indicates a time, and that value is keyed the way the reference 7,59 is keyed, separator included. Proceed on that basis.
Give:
8,08
